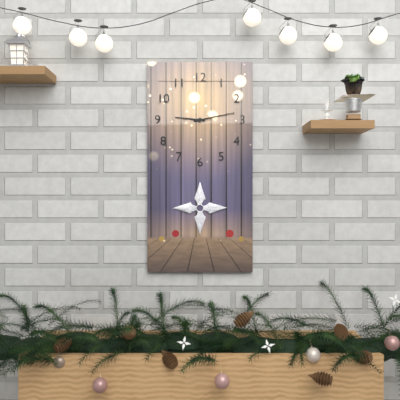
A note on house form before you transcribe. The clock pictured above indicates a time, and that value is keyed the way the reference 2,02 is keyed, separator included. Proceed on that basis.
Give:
9,13
